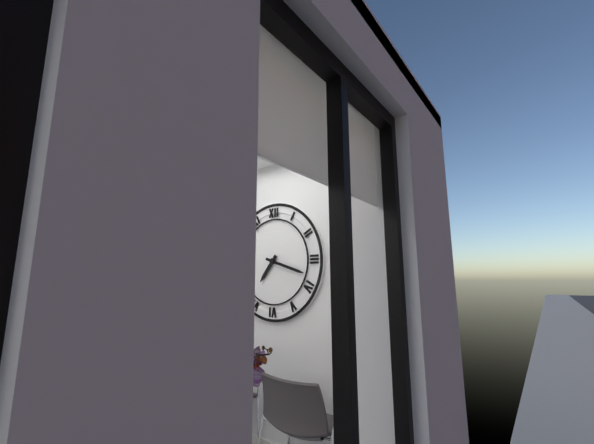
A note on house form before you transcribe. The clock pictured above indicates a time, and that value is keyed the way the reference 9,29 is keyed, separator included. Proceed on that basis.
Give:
7,18
